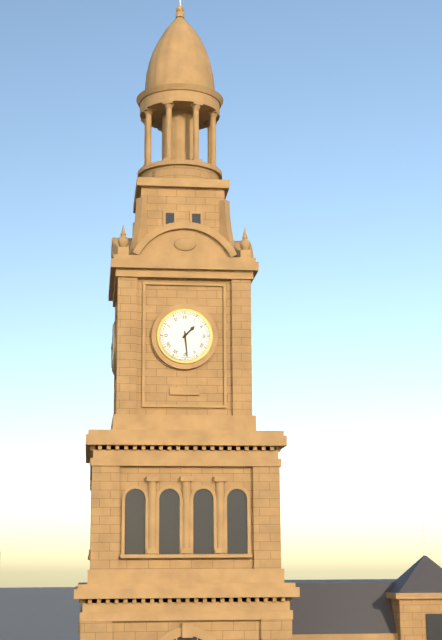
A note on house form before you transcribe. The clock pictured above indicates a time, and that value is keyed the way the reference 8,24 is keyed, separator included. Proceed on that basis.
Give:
1,29
